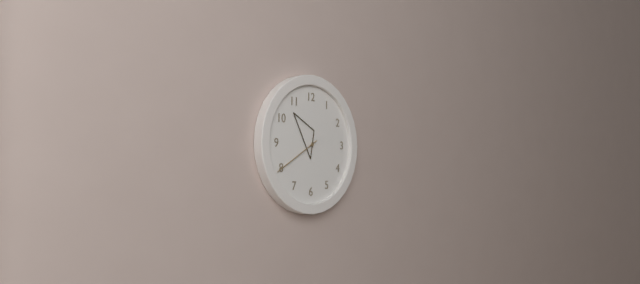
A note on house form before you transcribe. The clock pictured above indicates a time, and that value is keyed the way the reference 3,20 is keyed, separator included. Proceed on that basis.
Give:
10,40
